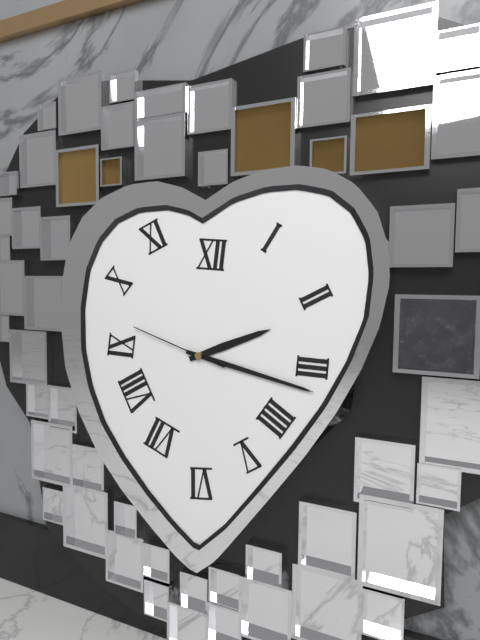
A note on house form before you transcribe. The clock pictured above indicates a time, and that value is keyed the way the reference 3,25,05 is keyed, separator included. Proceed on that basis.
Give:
2,17,48
